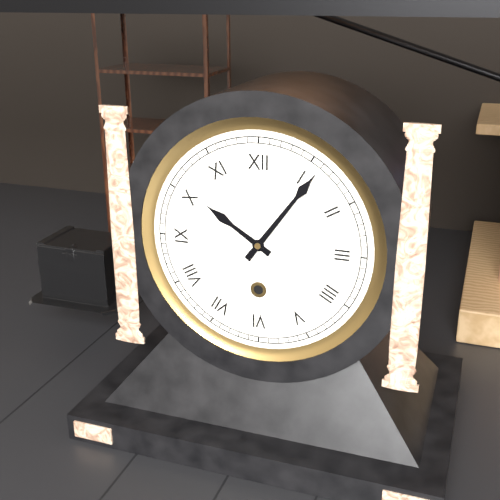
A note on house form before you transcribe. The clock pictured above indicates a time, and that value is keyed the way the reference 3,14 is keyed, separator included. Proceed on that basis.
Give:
10,06
